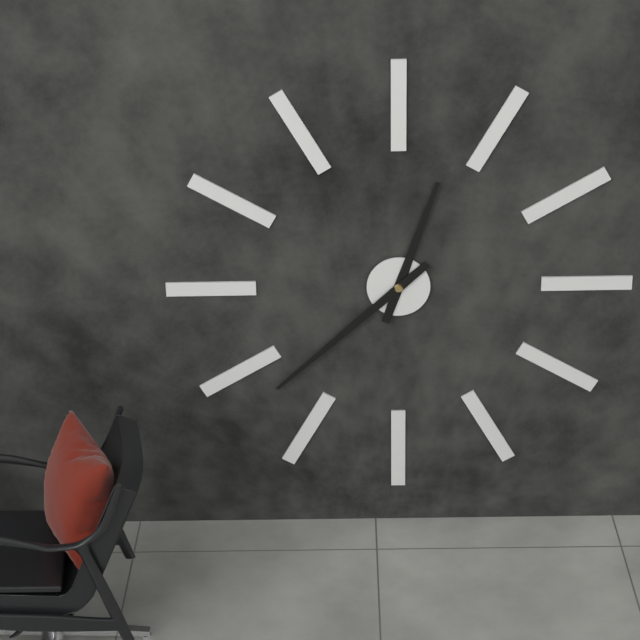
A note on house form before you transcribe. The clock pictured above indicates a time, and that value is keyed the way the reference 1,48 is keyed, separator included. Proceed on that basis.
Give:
12,38
